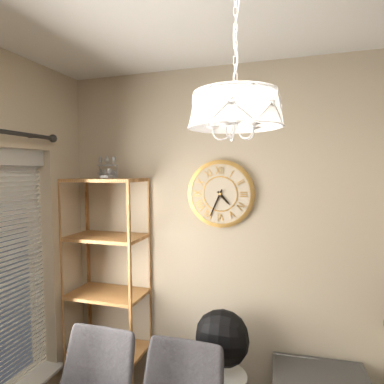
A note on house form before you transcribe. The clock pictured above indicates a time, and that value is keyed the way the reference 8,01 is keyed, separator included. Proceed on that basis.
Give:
4,34
